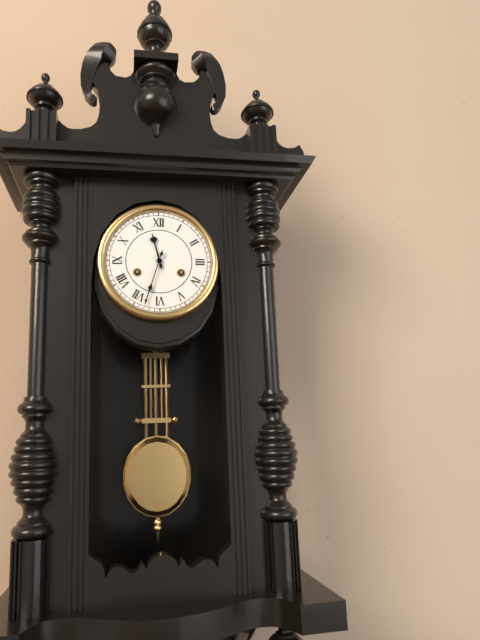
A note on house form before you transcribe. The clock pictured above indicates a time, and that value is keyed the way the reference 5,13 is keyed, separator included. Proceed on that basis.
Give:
11,33
